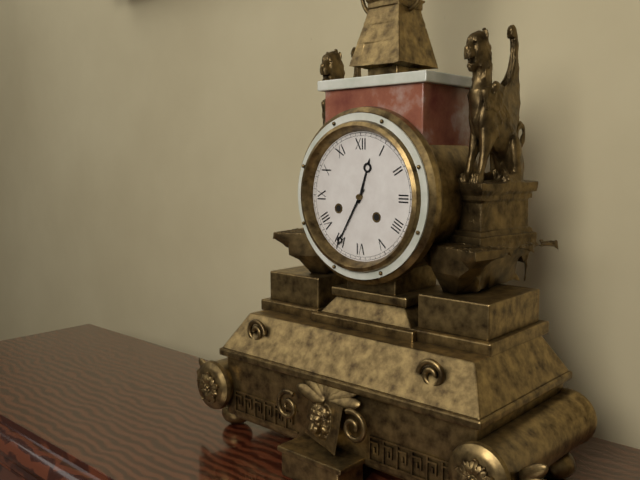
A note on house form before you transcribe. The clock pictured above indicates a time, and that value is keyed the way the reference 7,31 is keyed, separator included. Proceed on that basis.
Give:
12,35
